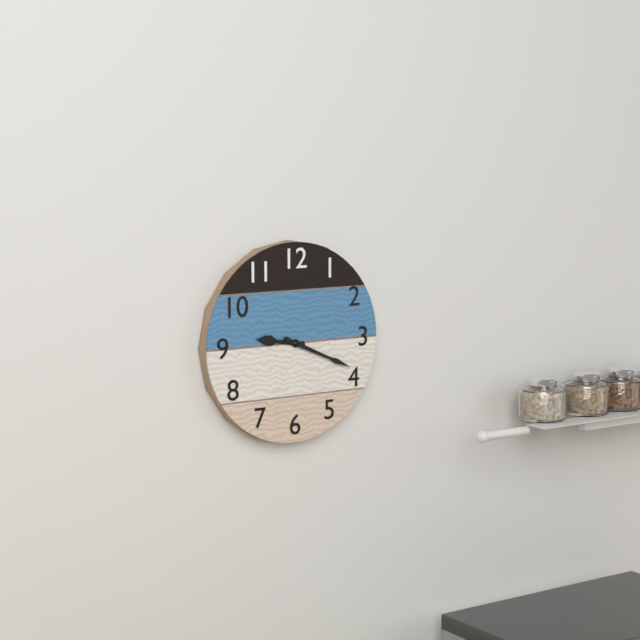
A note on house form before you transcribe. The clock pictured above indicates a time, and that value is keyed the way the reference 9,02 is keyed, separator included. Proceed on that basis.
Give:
9,19
